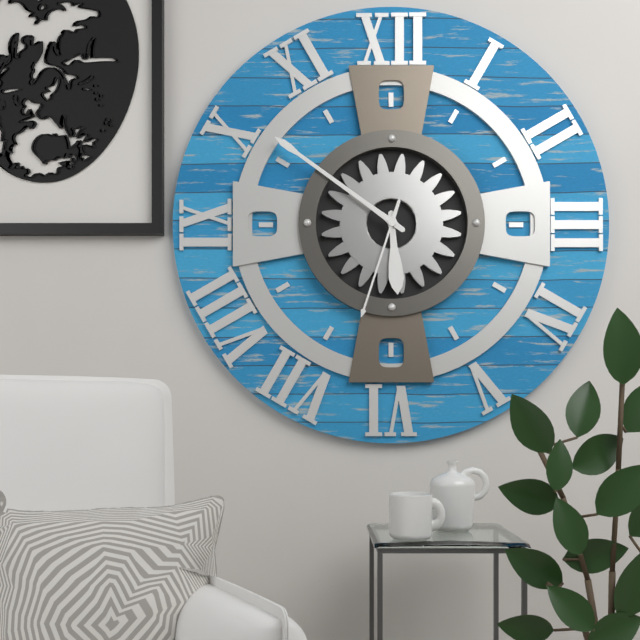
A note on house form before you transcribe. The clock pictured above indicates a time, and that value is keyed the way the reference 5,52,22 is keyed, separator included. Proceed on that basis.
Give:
5,51,33
